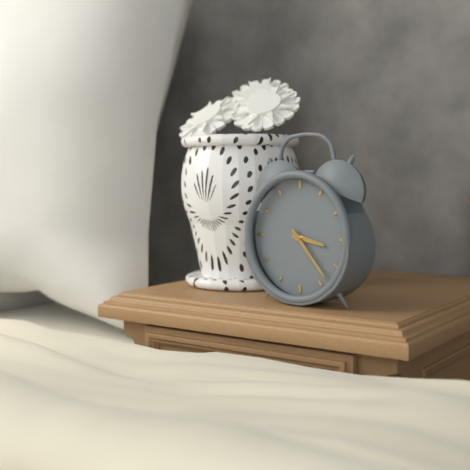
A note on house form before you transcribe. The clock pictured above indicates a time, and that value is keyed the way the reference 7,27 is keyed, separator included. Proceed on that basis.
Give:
3,23
